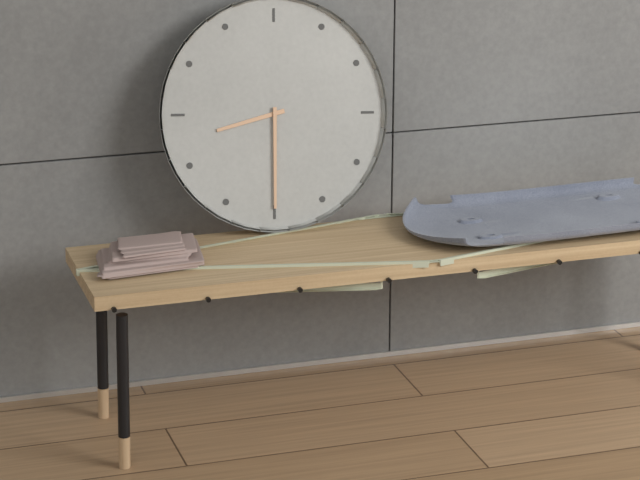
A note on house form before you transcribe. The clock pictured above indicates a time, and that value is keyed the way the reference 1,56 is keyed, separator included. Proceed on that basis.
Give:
8,30
